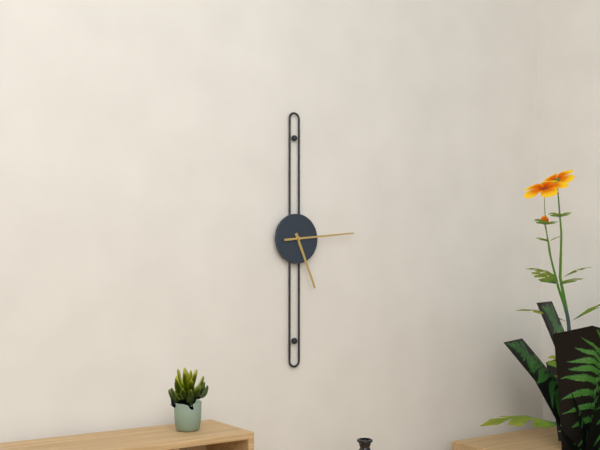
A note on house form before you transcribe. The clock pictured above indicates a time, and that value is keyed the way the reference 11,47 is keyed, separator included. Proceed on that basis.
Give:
5,14
